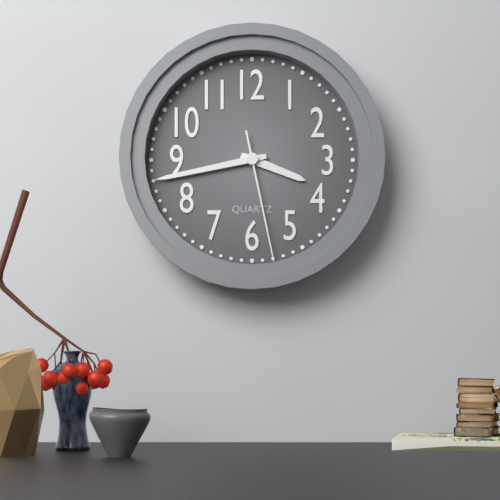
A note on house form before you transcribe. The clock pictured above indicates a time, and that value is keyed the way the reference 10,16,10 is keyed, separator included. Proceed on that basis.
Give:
3,43,28
